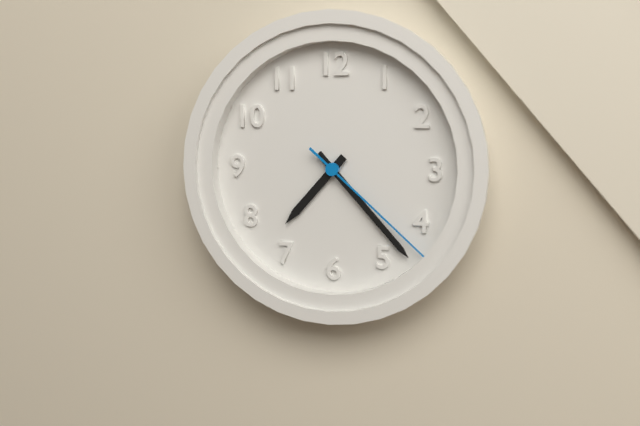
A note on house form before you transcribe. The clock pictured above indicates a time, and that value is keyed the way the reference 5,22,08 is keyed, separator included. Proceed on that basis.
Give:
7,23,22
